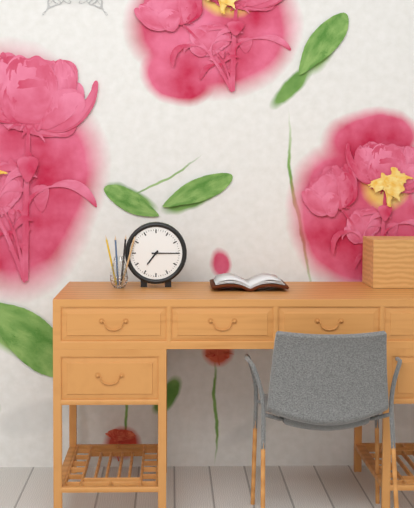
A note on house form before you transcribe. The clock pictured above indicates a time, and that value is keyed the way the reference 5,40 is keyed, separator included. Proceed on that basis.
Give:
7,15
